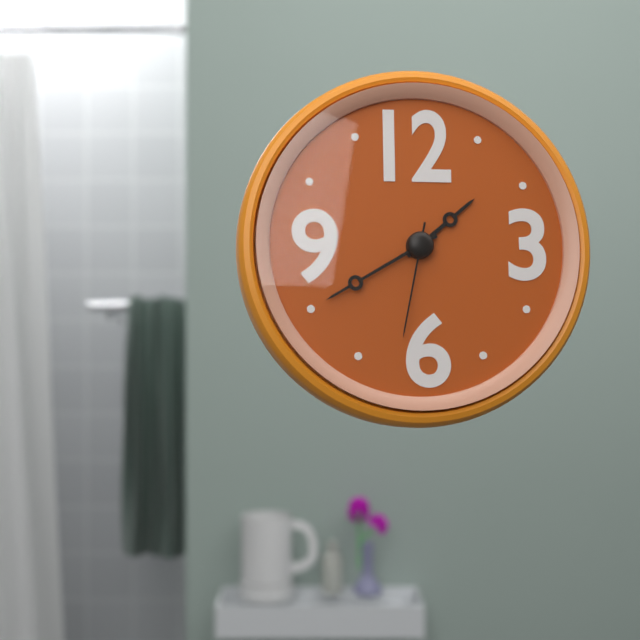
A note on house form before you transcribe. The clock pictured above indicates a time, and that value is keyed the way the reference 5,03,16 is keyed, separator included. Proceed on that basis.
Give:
1,40,32
